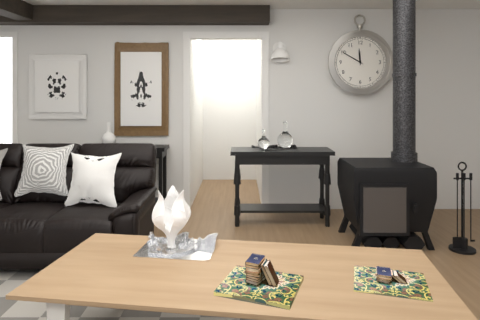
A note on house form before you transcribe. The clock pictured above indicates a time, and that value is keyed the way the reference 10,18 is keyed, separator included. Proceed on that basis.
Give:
11,50
